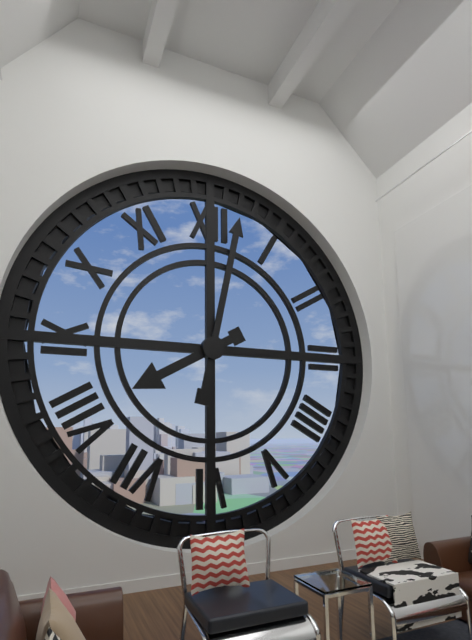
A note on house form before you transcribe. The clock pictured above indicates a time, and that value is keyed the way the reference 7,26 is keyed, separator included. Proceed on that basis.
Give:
8,02
